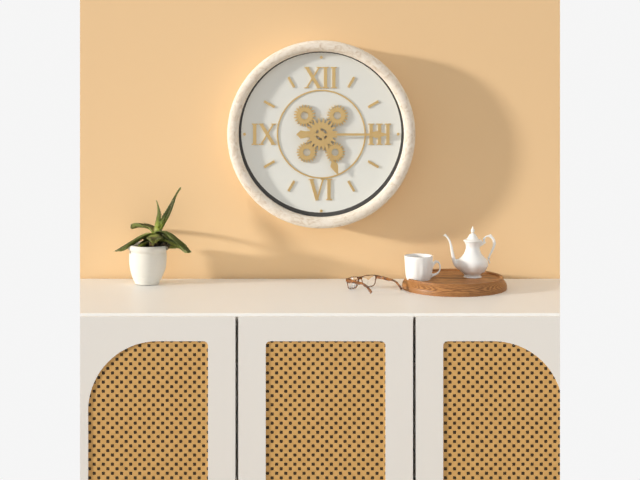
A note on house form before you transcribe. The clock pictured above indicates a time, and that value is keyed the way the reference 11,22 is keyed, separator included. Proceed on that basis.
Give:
5,15
